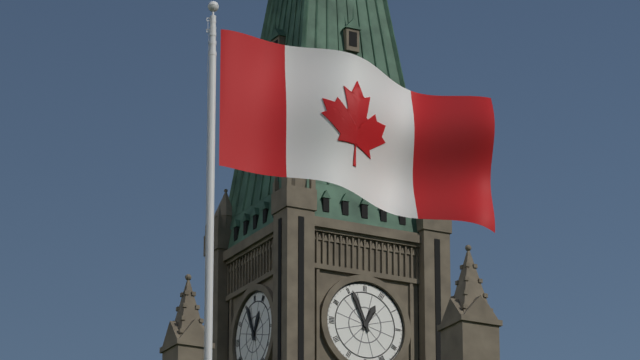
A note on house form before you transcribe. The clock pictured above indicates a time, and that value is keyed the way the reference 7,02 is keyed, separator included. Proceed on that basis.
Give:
12,56
